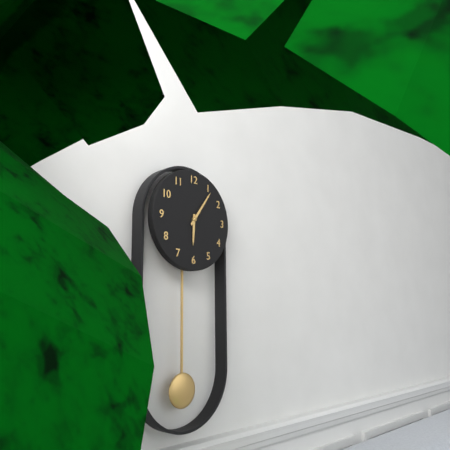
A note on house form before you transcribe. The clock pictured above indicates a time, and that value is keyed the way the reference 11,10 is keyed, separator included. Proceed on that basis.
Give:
6,06
